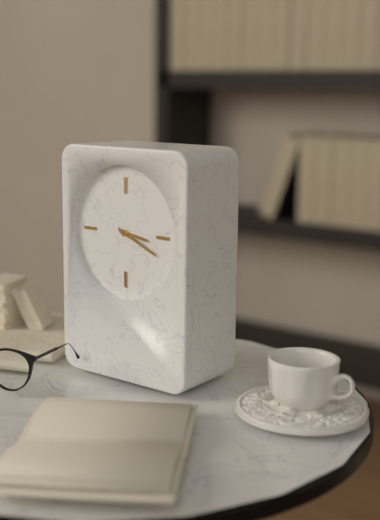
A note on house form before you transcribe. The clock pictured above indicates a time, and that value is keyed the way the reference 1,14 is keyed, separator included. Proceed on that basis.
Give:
3,19
